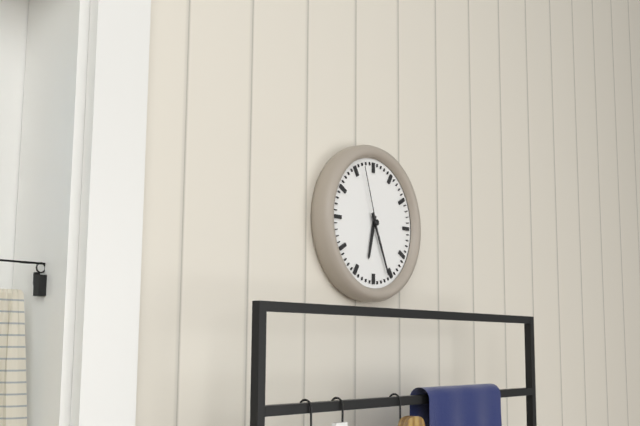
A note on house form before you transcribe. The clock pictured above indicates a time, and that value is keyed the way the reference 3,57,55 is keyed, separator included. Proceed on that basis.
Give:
6,26,57
